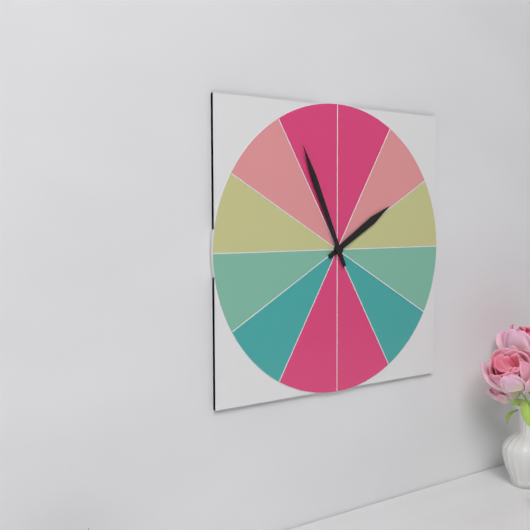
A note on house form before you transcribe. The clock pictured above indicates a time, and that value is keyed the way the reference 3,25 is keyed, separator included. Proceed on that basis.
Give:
1,56
